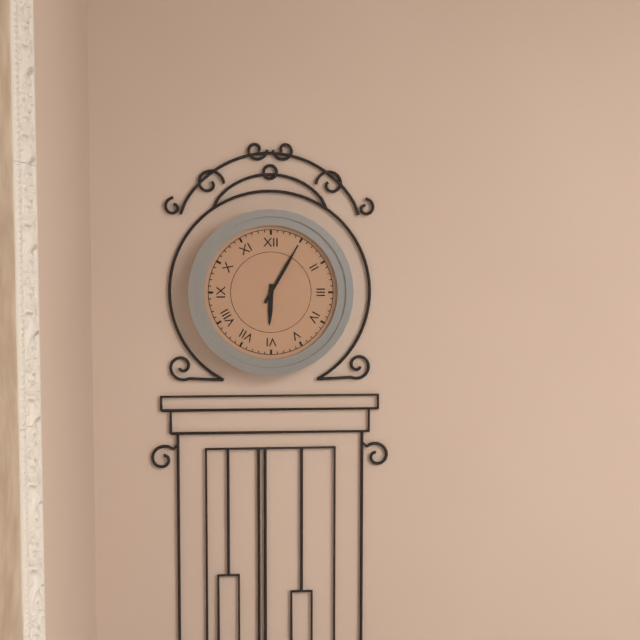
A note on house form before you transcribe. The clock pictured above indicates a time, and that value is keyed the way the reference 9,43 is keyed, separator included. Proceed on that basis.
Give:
6,05
